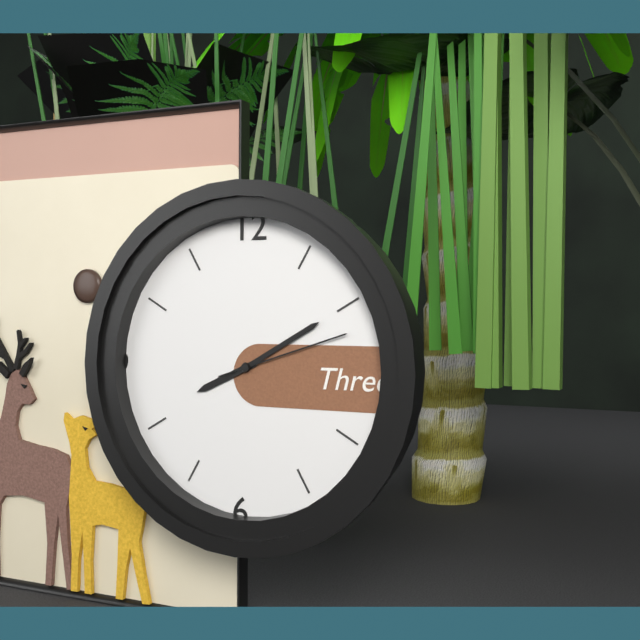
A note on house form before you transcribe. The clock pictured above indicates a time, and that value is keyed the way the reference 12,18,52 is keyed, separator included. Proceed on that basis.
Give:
8,10,12
